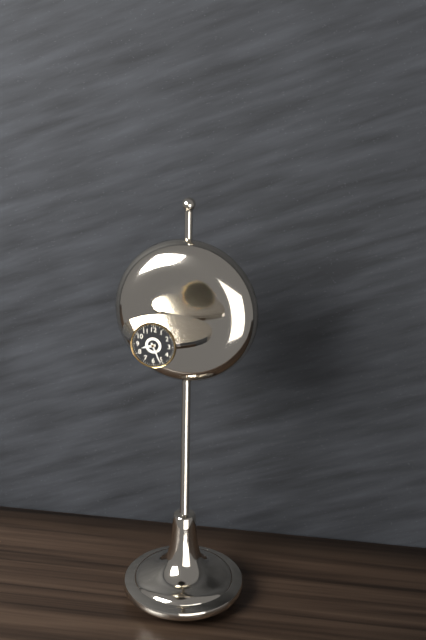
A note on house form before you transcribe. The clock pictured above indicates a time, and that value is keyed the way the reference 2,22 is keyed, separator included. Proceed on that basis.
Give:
8,26
